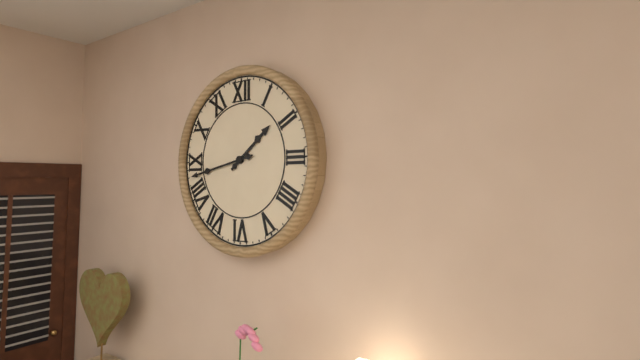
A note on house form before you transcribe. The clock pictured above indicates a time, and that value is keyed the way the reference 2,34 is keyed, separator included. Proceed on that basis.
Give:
1,43
